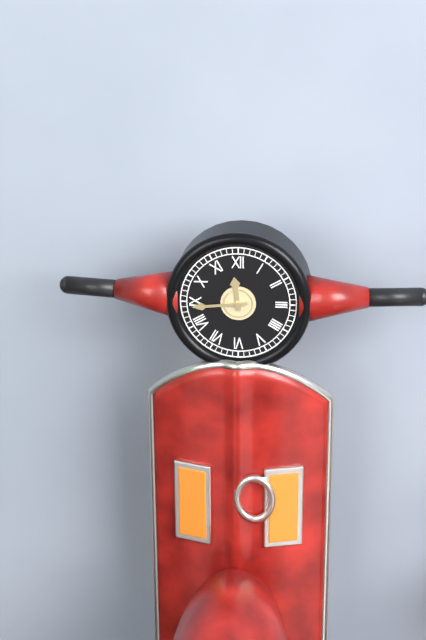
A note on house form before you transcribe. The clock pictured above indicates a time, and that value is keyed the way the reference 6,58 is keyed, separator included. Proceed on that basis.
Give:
11,44
